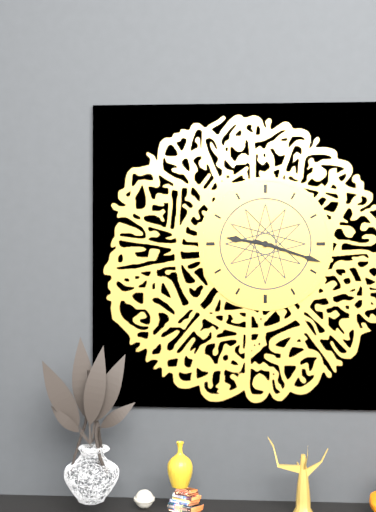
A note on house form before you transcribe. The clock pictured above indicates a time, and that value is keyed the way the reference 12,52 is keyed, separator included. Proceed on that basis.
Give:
9,18
